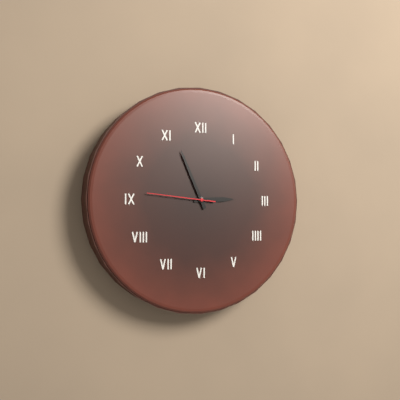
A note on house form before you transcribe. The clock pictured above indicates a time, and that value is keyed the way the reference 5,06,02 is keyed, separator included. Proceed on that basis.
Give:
2,56,46
